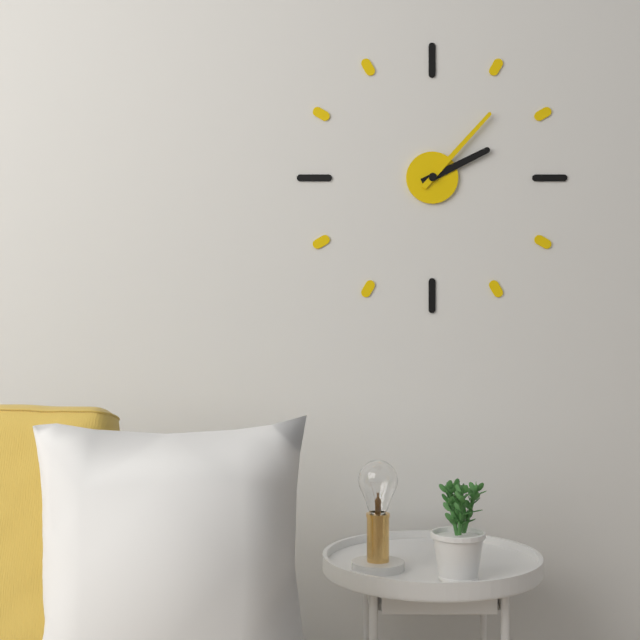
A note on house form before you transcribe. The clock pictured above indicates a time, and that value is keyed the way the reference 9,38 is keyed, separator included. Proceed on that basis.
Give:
2,07
